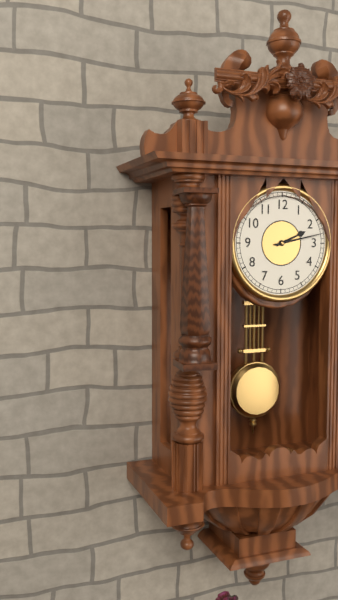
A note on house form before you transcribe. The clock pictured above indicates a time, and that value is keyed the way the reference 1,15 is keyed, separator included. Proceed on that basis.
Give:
2,13
